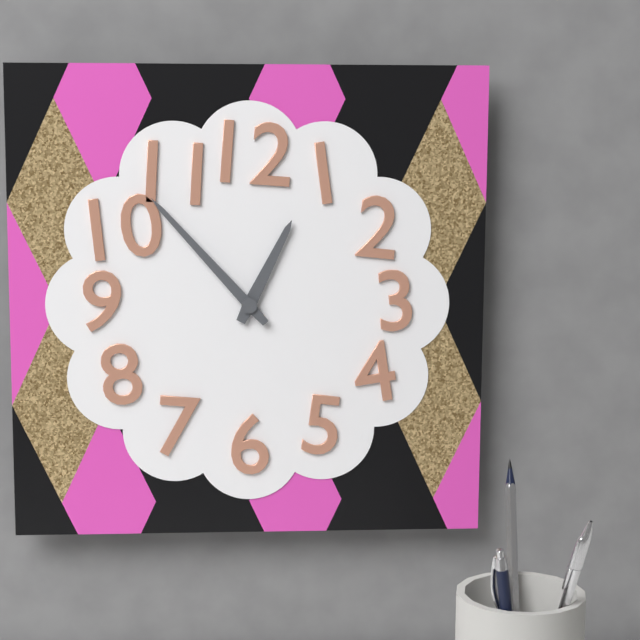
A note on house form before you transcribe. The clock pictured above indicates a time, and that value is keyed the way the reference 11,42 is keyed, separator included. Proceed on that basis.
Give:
12,53
